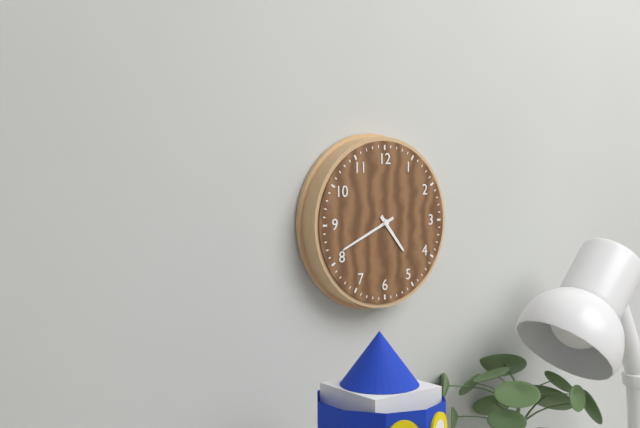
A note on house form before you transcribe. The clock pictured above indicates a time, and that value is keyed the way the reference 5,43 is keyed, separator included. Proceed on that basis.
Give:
4,41
